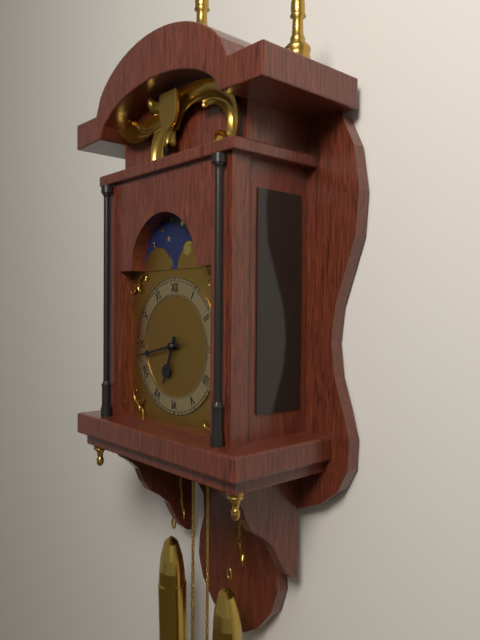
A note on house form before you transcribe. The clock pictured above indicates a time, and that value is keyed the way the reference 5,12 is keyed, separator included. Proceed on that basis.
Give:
6,43
